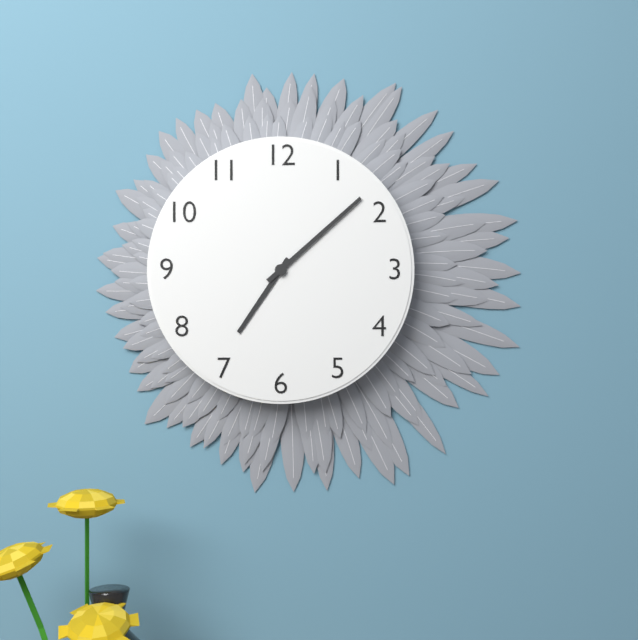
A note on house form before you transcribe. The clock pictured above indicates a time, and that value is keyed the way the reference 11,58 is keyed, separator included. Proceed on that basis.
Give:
7,08
